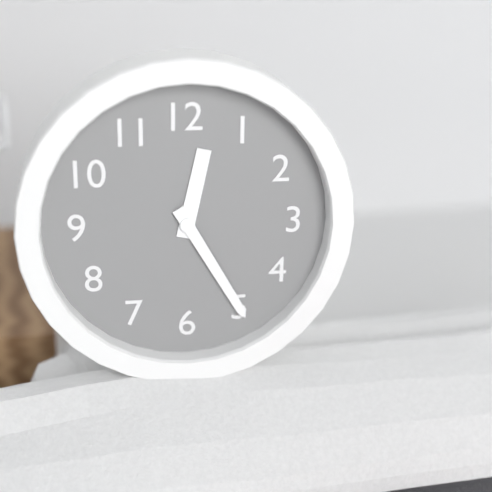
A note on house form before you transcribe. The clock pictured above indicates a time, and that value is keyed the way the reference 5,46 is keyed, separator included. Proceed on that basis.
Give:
12,25
